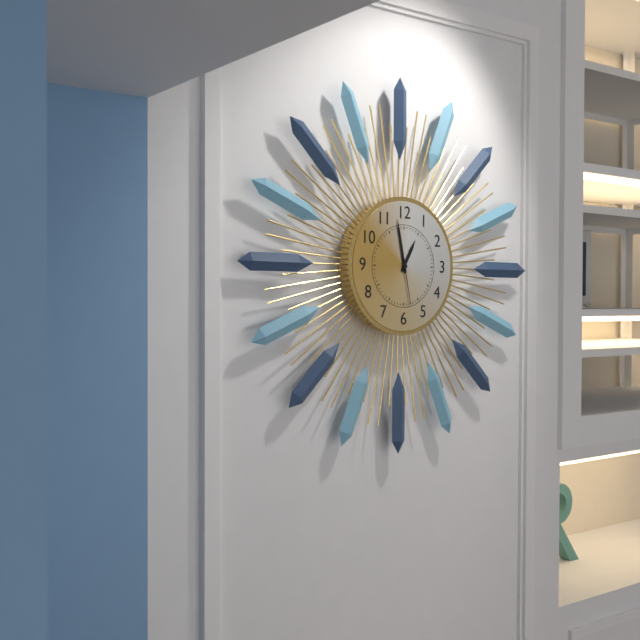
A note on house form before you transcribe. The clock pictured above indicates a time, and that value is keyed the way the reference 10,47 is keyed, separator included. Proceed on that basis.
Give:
12,58
